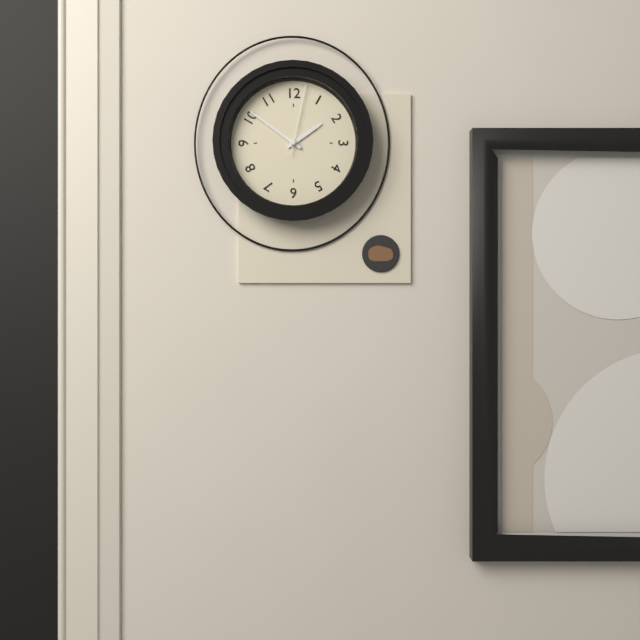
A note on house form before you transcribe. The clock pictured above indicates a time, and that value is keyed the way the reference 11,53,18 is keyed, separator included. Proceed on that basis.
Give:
1,51,02
